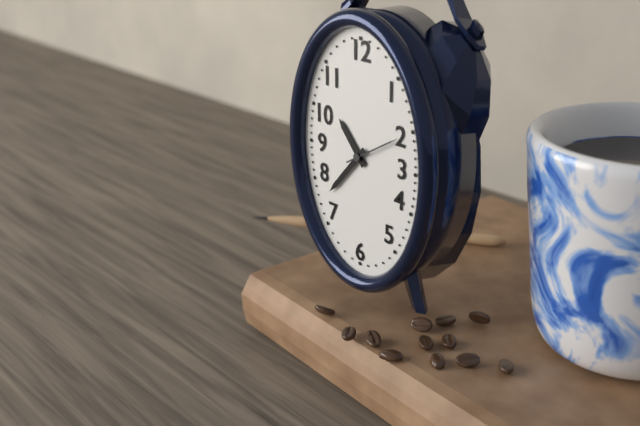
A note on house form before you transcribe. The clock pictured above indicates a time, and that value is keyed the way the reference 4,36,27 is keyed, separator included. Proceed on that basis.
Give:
10,37,10
